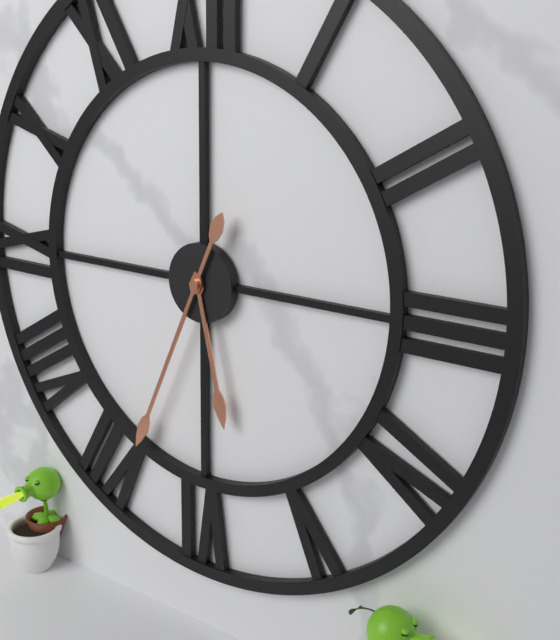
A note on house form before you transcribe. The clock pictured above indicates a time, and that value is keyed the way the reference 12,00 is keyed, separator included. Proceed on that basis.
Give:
5,34
